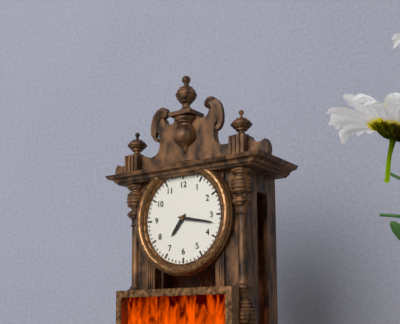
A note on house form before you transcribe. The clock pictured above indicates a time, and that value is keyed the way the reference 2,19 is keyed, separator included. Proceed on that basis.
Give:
7,17
